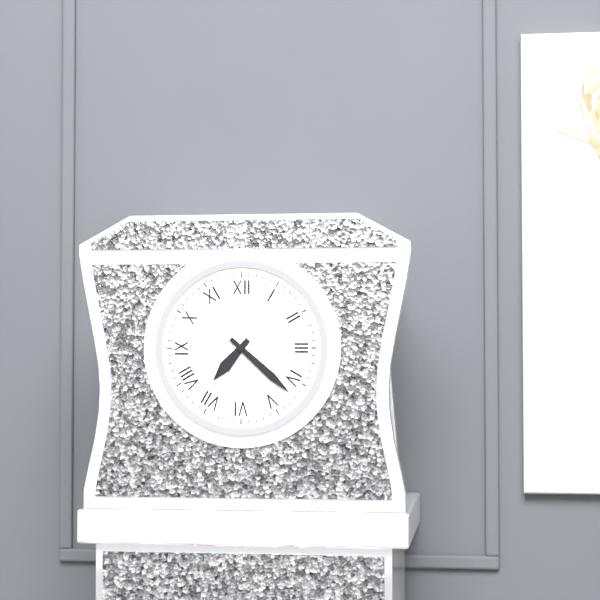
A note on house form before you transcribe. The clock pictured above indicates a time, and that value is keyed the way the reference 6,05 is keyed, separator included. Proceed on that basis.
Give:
7,22
